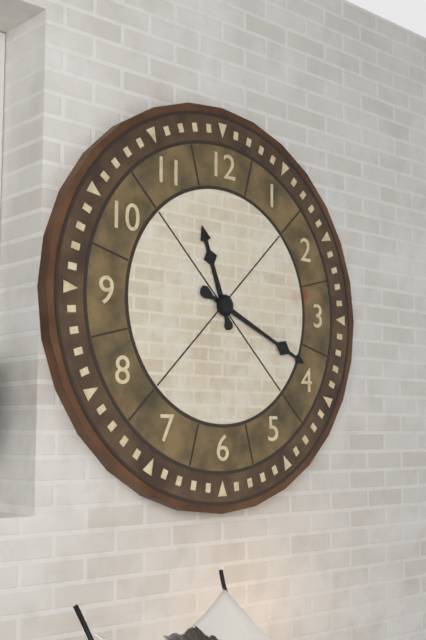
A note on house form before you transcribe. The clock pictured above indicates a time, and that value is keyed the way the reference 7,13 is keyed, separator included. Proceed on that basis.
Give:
11,19
